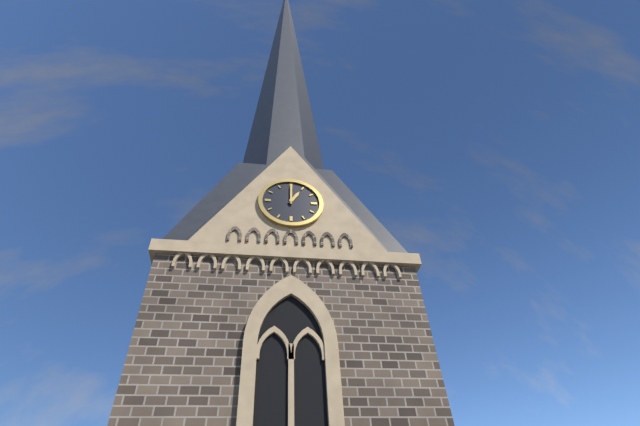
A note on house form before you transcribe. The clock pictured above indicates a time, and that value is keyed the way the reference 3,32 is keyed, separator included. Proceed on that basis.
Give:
1,00
